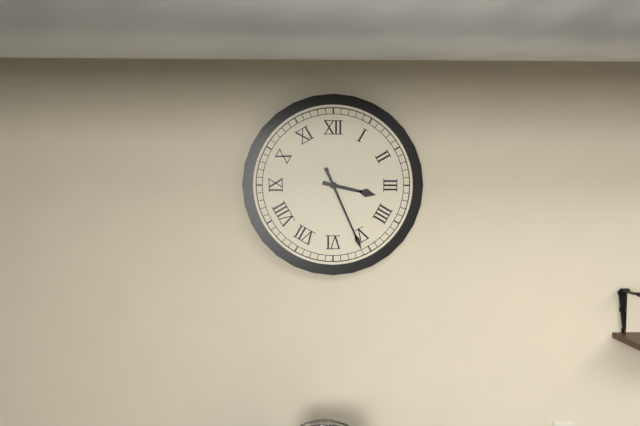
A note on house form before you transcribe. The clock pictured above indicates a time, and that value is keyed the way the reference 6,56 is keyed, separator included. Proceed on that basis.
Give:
3,26
